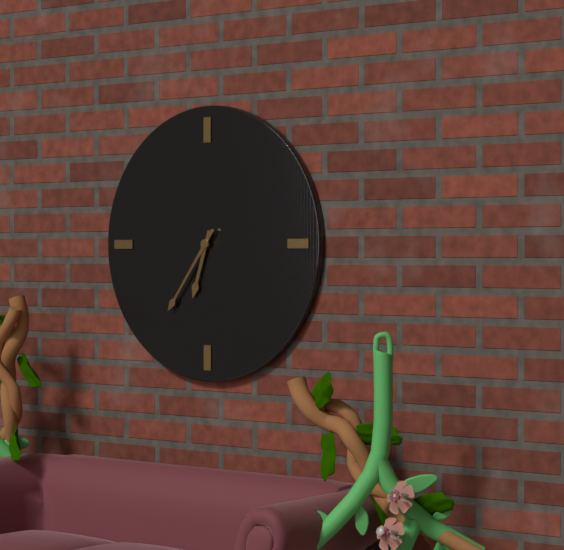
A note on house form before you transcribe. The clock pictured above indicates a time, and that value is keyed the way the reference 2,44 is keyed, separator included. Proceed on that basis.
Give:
6,36
